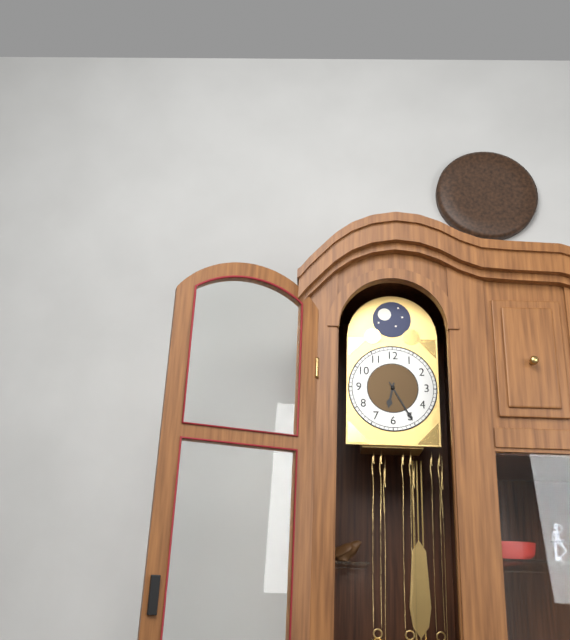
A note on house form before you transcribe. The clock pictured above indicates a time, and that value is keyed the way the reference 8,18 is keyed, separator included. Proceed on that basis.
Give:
6,25
